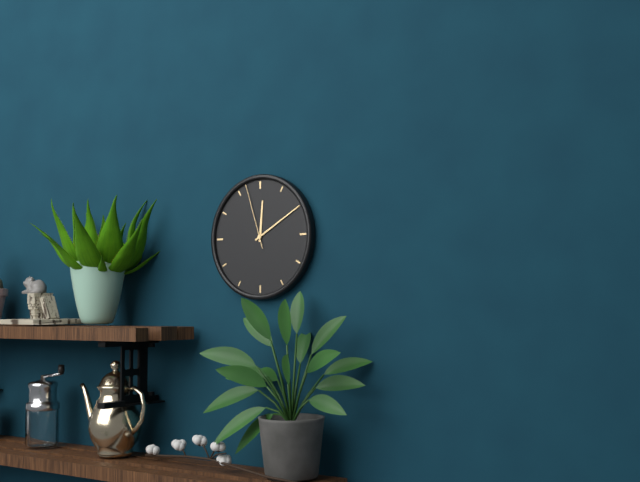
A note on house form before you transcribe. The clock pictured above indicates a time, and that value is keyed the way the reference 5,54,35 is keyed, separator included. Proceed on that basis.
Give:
12,10,57
